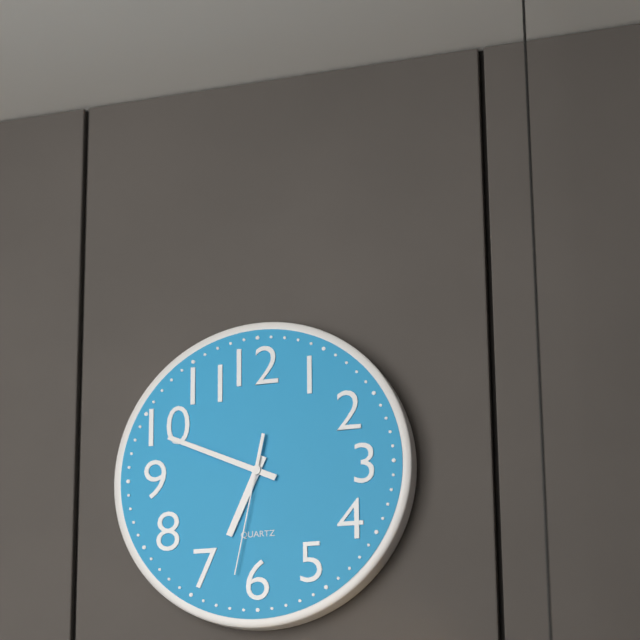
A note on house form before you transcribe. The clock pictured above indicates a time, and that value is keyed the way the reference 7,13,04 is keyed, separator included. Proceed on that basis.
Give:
6,49,32
